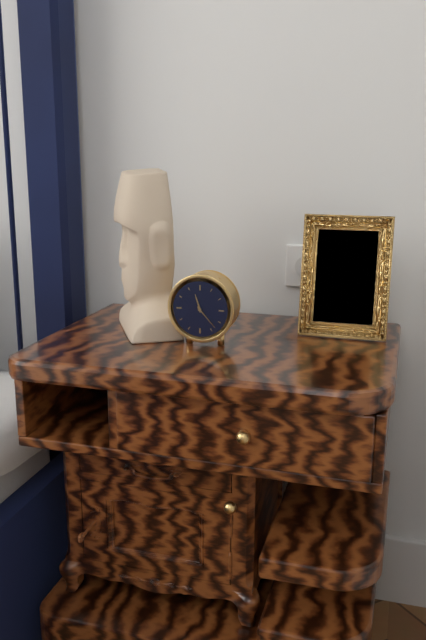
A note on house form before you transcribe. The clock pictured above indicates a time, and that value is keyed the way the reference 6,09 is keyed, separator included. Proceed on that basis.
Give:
11,23
